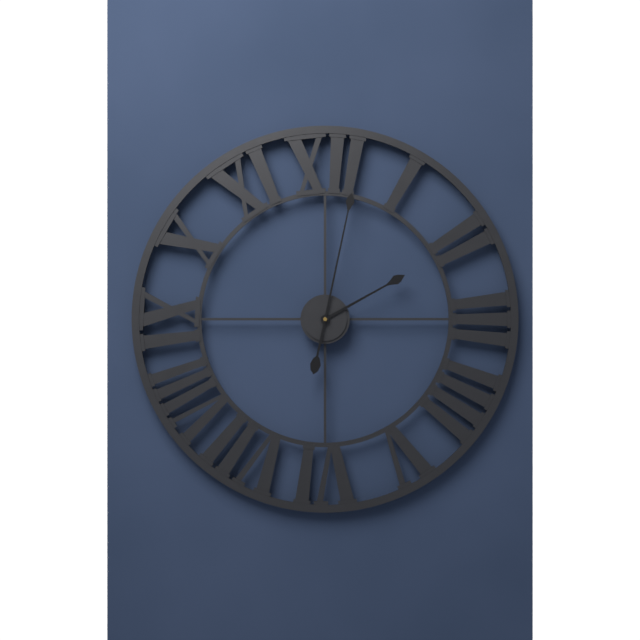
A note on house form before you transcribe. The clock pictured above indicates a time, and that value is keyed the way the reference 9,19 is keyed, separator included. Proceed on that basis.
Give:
2,02
